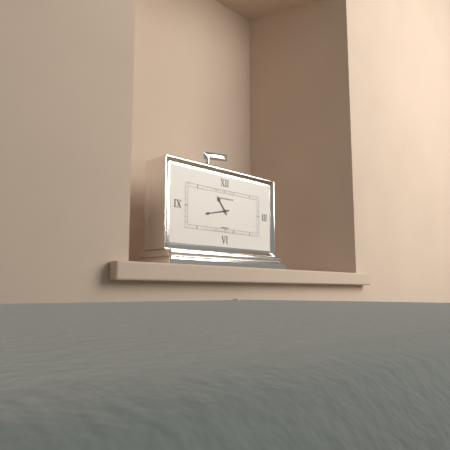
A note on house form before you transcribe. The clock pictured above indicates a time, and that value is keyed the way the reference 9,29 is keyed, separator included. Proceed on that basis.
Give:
10,43
